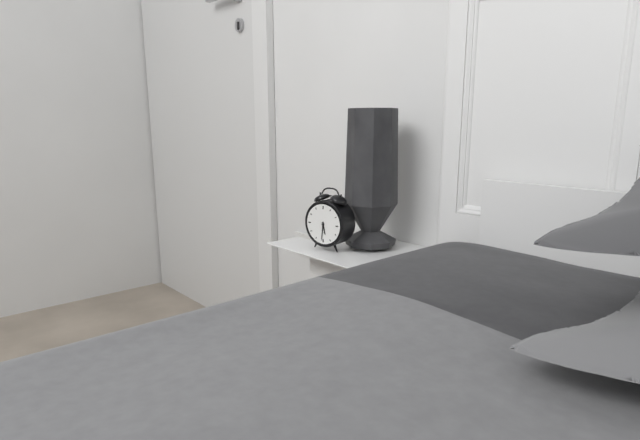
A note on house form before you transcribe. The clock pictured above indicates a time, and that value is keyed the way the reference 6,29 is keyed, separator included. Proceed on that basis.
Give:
5,31
